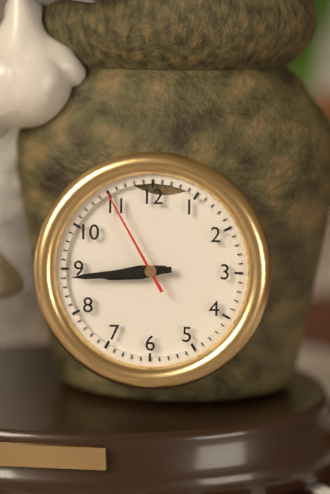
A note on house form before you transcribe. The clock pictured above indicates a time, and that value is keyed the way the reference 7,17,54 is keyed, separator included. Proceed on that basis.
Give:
8,44,55
